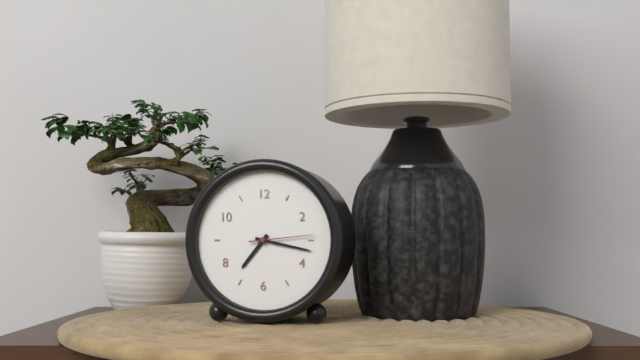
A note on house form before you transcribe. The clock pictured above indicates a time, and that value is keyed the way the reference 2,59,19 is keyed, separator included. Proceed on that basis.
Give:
7,17,14
